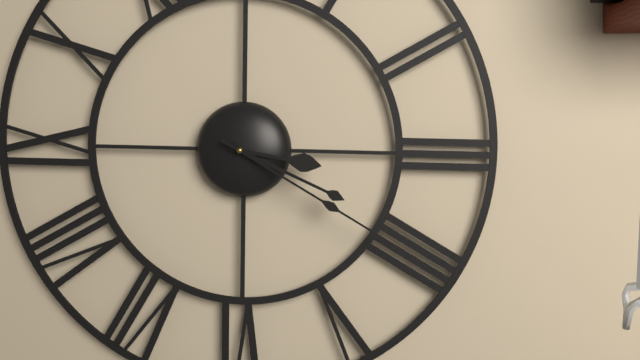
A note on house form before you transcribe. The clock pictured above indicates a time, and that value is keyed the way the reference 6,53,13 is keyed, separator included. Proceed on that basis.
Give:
3,19,20
